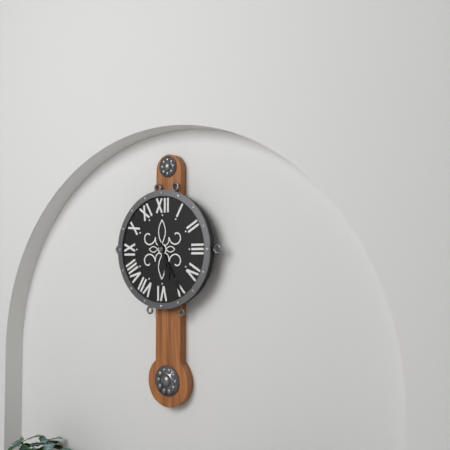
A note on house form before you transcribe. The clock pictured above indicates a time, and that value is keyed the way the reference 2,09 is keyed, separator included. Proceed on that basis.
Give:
5,25
